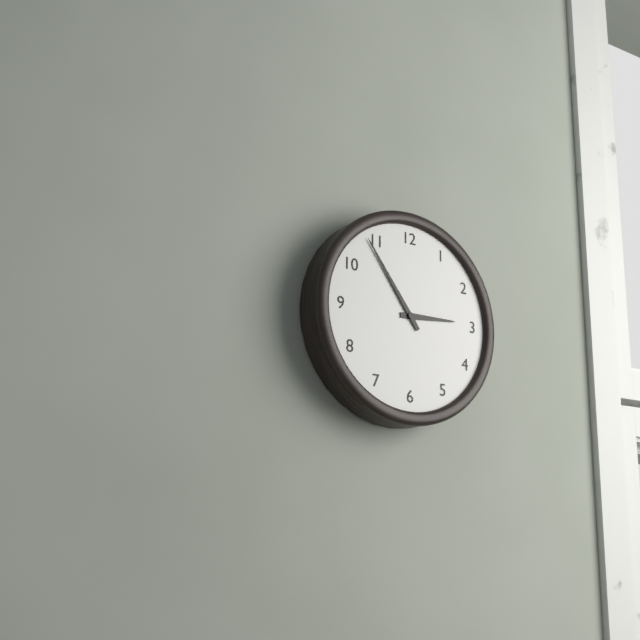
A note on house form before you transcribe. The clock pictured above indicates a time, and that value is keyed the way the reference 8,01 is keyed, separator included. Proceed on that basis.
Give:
2,54
